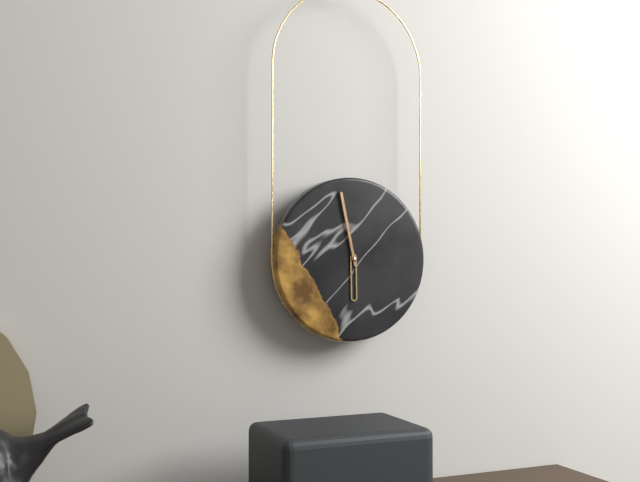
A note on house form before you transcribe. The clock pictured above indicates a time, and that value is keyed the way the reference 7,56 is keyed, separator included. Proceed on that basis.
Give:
5,58
